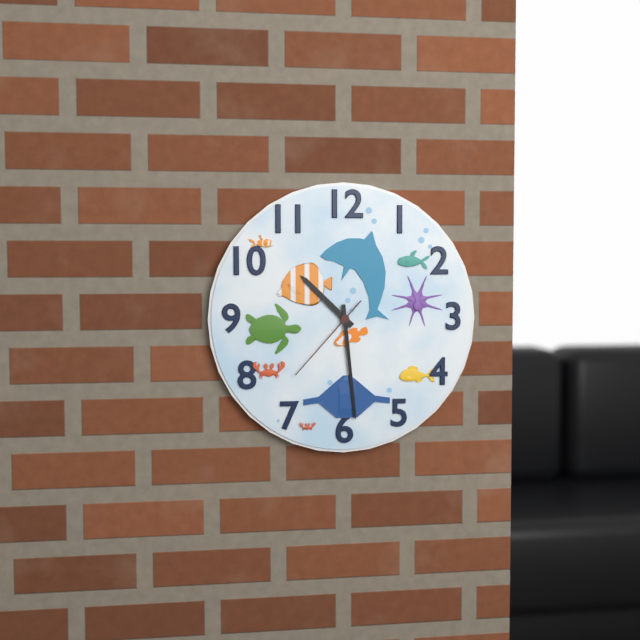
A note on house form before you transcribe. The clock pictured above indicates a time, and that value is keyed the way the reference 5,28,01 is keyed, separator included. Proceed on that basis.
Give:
10,29,37
